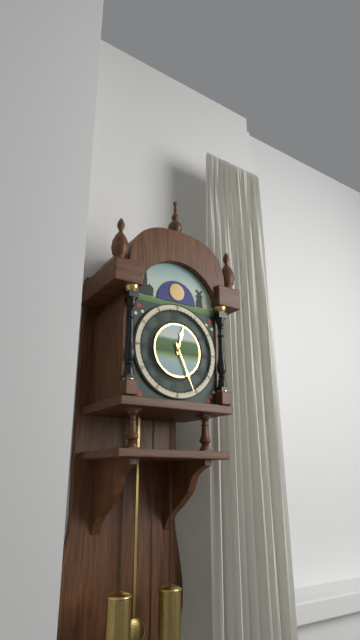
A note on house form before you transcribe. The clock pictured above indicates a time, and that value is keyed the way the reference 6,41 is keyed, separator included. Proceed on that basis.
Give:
12,26
